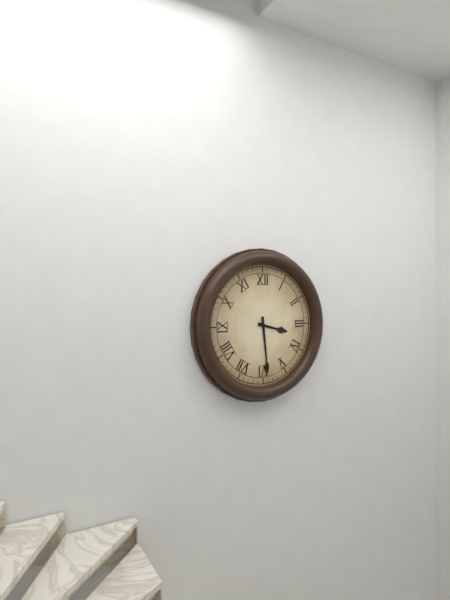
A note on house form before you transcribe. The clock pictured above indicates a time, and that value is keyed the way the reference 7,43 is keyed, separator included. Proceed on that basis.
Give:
3,29
